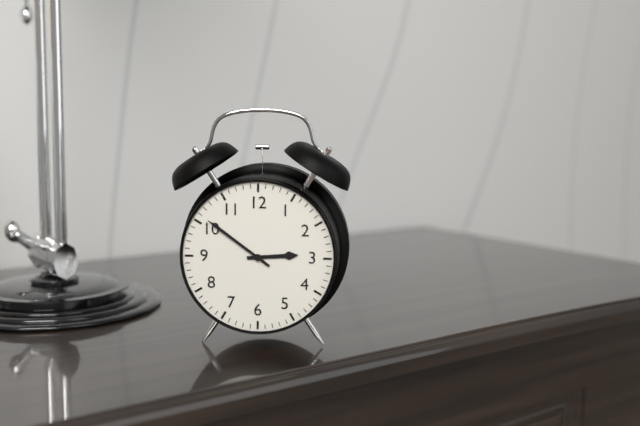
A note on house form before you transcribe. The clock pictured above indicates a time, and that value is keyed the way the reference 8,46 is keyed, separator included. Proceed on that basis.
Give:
2,51
